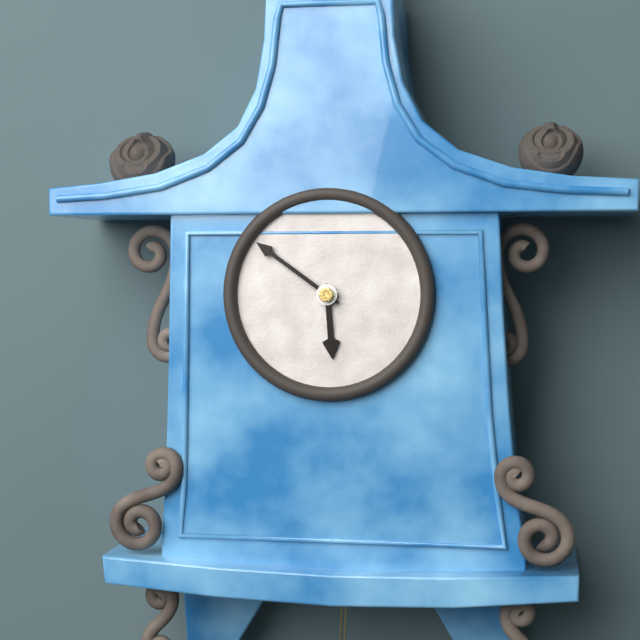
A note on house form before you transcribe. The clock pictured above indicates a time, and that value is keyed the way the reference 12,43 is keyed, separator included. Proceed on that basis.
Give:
5,51
